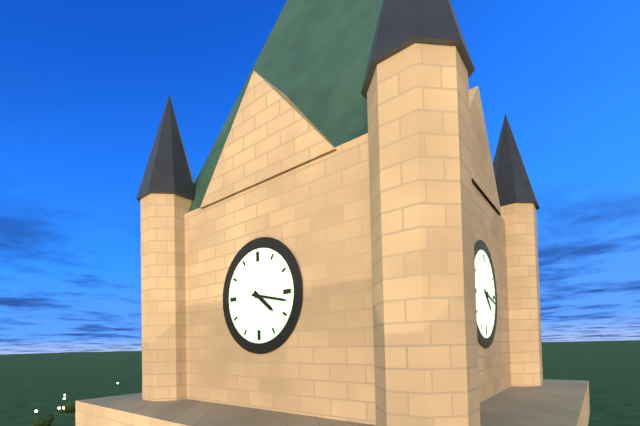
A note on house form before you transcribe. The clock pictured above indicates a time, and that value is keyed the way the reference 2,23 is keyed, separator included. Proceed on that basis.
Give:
4,17
